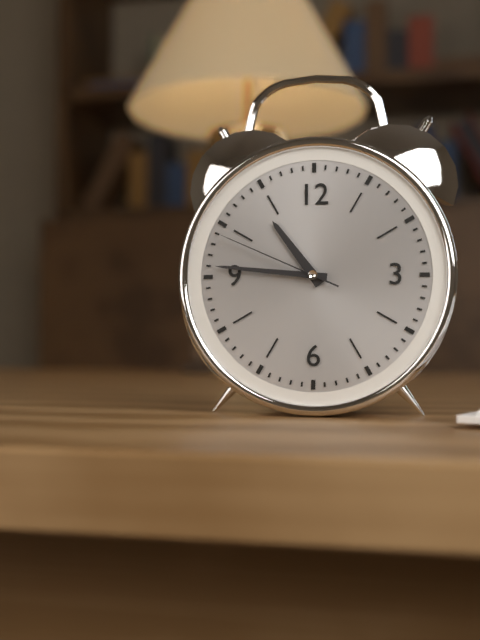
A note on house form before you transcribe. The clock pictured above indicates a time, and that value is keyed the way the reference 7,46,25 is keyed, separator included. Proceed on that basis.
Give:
10,46,49
